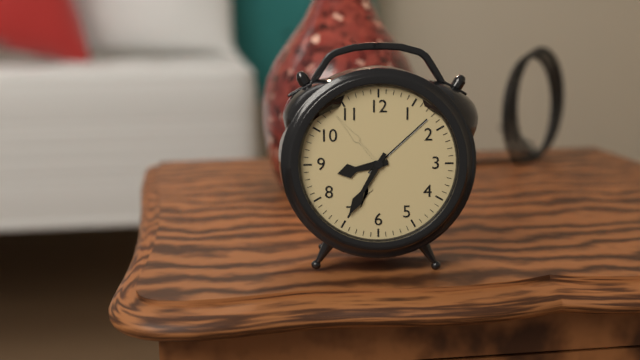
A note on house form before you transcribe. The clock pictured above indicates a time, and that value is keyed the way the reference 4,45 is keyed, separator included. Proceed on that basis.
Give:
8,35
